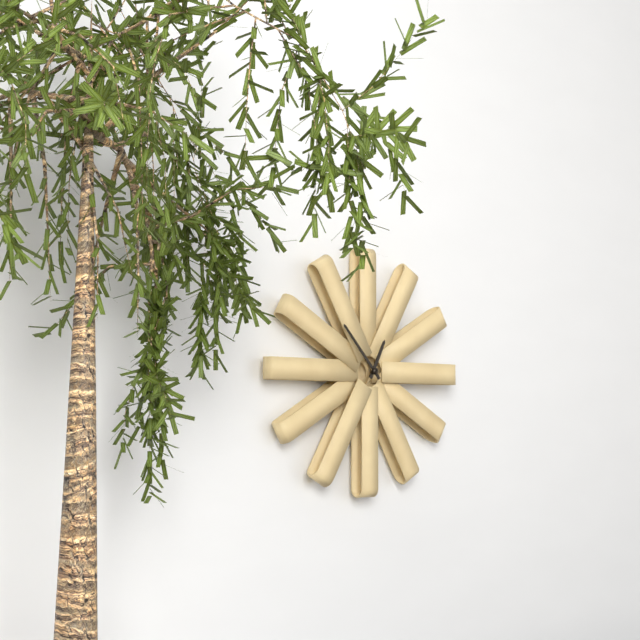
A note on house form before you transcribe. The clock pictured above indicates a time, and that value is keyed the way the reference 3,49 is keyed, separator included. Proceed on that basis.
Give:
12,53
